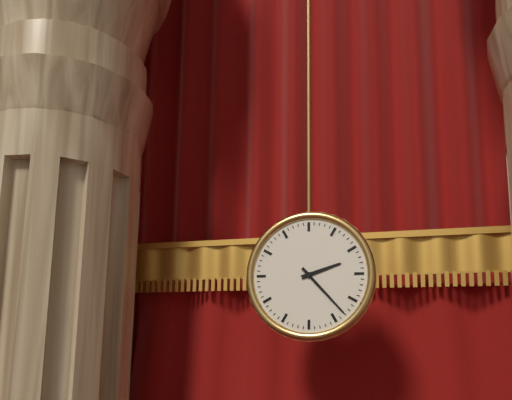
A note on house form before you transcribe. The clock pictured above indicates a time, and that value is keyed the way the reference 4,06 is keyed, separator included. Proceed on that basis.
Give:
2,23
